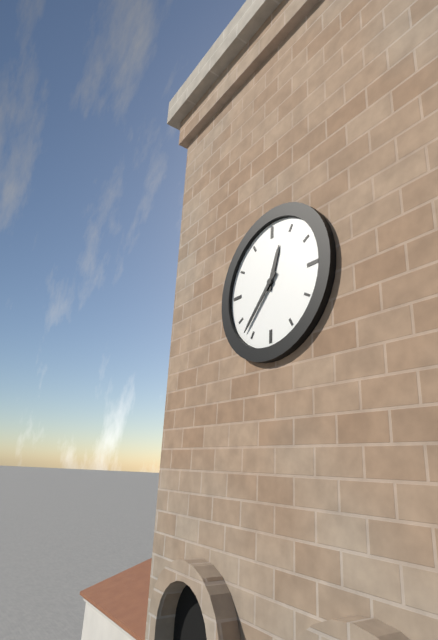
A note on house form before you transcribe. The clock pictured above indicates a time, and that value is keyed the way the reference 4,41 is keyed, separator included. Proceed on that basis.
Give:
12,37
